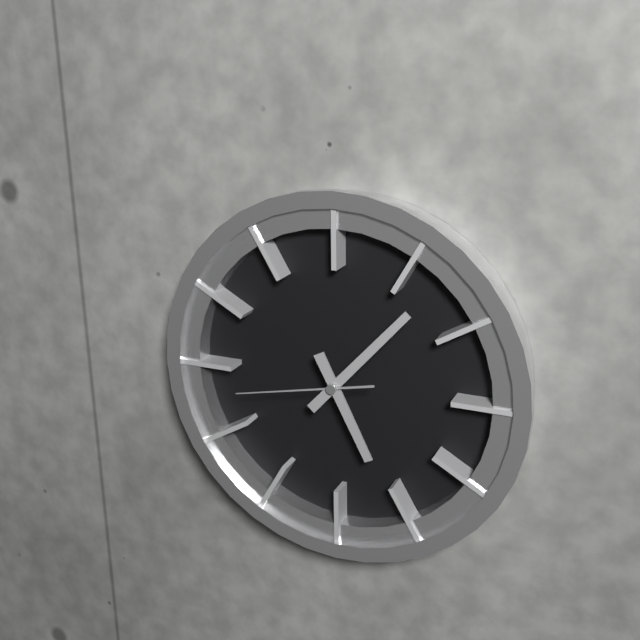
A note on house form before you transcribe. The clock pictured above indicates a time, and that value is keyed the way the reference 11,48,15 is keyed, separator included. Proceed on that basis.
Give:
5,07,43
